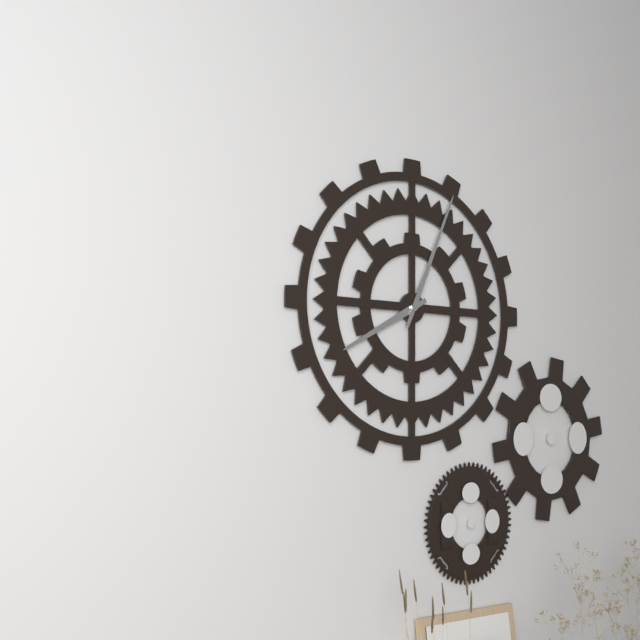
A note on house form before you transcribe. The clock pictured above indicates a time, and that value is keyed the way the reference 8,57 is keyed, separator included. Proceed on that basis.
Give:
8,04
